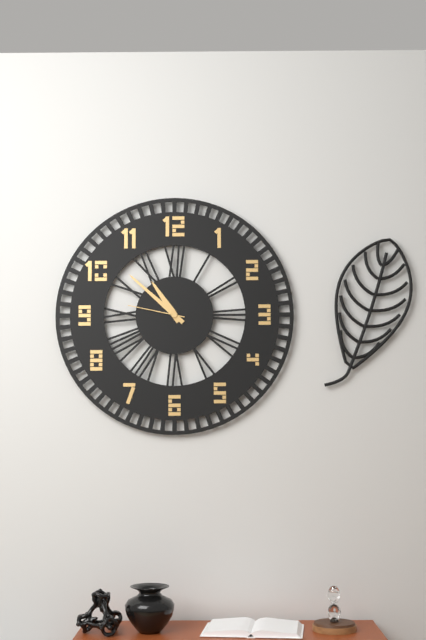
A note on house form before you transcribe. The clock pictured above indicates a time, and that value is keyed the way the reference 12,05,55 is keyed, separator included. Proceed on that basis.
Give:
10,52,47
